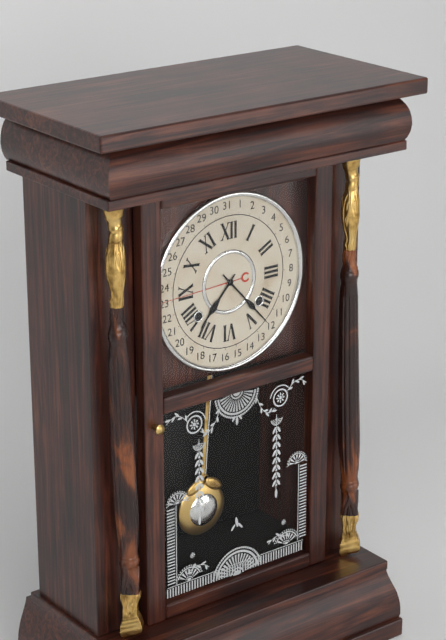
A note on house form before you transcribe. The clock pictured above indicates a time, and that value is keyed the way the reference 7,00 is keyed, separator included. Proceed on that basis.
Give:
7,23
